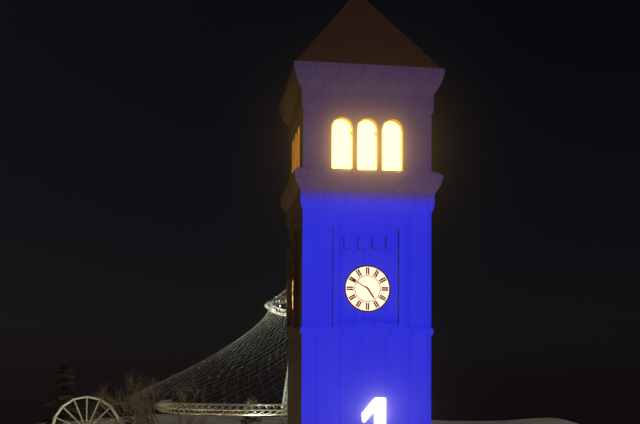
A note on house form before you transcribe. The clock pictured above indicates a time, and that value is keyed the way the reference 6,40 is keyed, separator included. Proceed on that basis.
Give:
4,50
